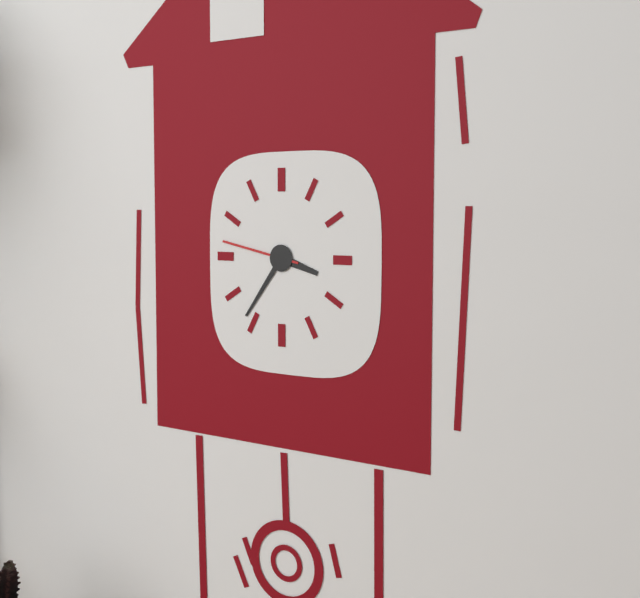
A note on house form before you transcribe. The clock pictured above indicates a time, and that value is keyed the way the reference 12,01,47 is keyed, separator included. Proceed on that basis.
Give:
3,36,47
